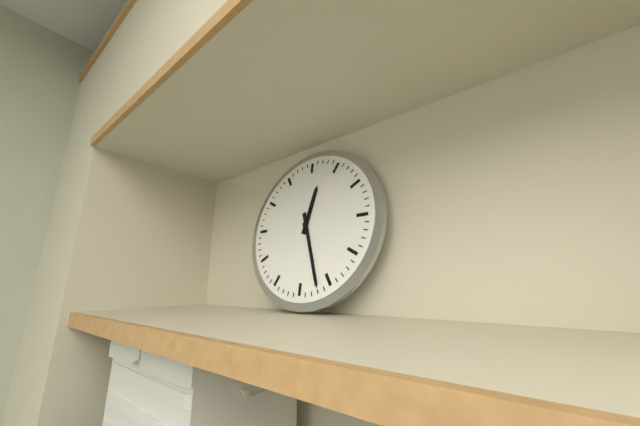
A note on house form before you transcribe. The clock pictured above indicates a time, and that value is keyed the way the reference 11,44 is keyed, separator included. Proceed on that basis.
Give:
12,27
